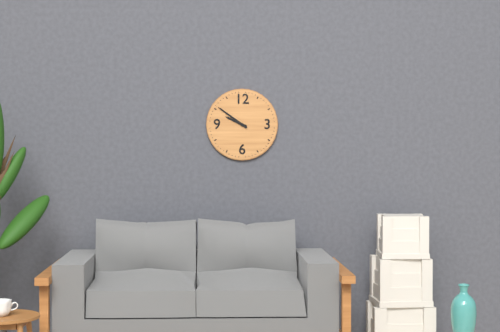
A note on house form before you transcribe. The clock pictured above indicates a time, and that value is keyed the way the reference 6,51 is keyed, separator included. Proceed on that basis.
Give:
9,51
